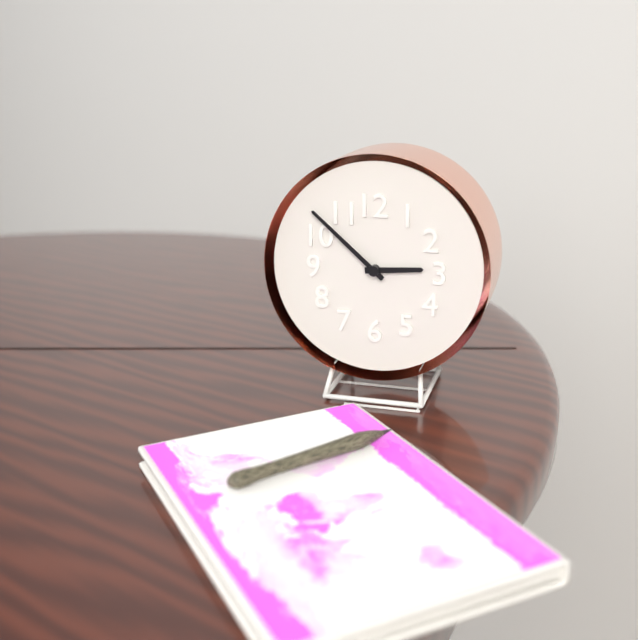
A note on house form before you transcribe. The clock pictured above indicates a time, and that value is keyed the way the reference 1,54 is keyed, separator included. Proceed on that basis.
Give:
2,52
